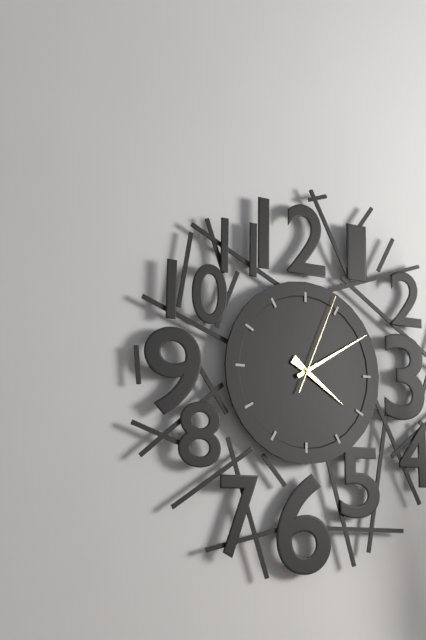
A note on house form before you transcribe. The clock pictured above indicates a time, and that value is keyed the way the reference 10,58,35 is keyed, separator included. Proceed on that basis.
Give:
4,10,04
